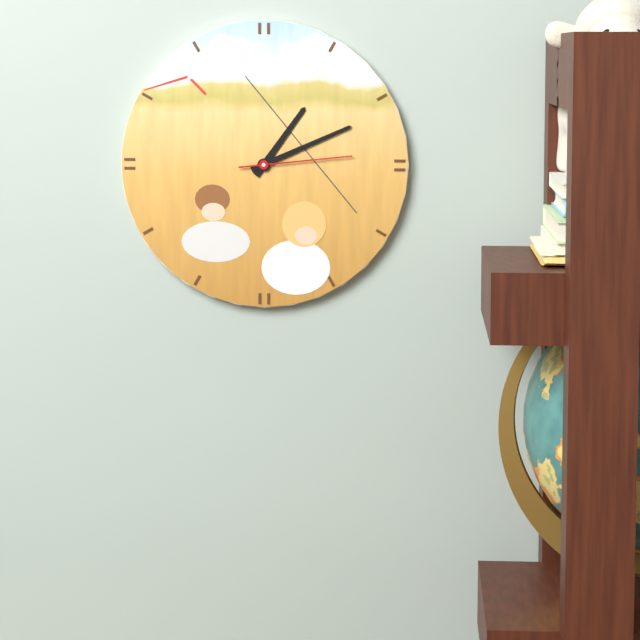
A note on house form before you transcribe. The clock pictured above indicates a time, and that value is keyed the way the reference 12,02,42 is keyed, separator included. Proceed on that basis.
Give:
1,11,14
